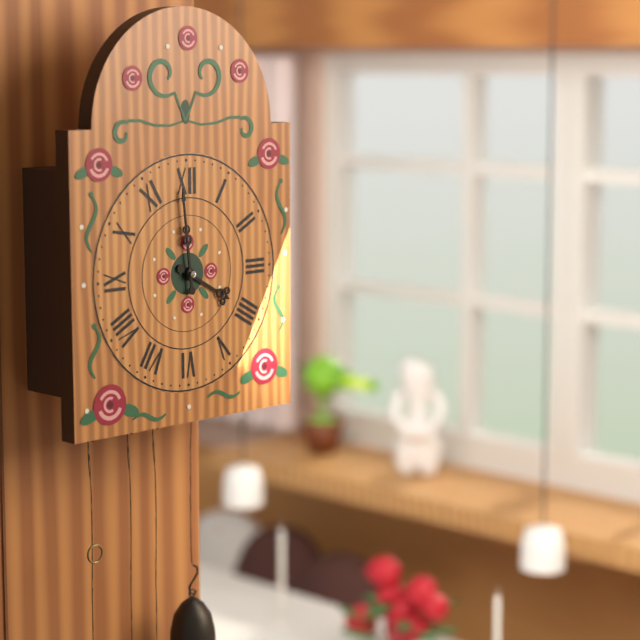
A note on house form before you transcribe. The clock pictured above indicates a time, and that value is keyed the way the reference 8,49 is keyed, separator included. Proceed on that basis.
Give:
3,59
